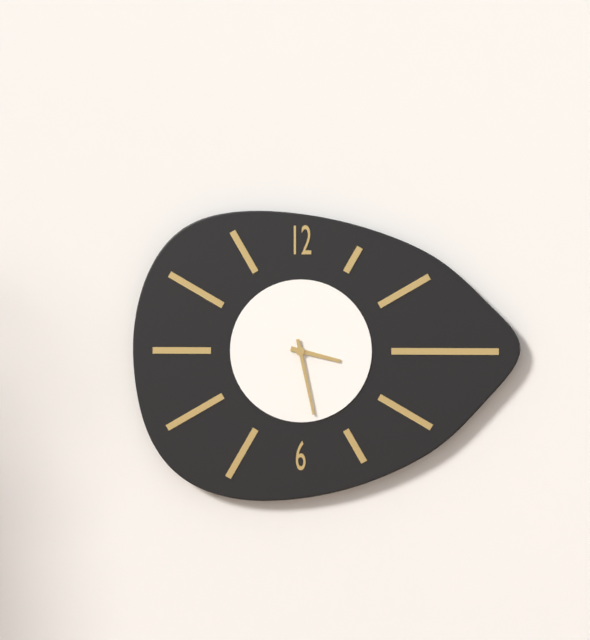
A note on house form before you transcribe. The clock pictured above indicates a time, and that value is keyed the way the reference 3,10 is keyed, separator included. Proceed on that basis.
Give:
3,28
